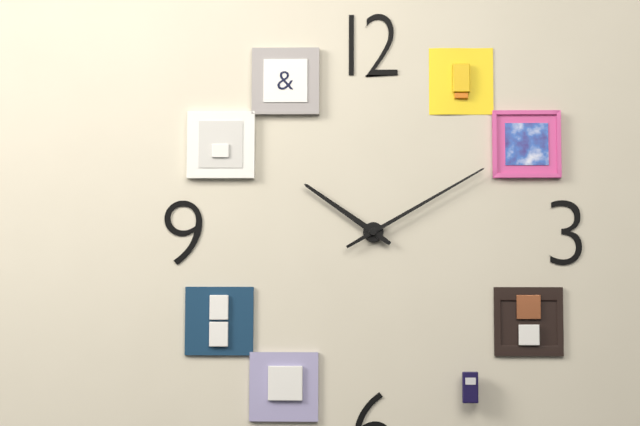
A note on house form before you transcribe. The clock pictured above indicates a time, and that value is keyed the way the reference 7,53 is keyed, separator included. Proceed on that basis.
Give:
10,10
